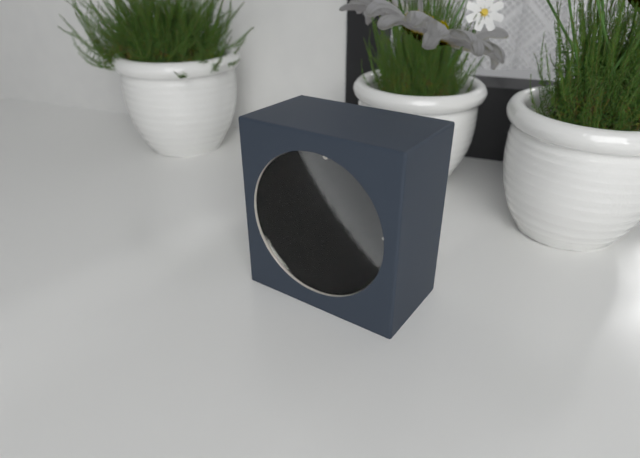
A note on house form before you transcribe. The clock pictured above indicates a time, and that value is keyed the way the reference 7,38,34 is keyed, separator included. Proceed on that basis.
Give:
7,28,51
